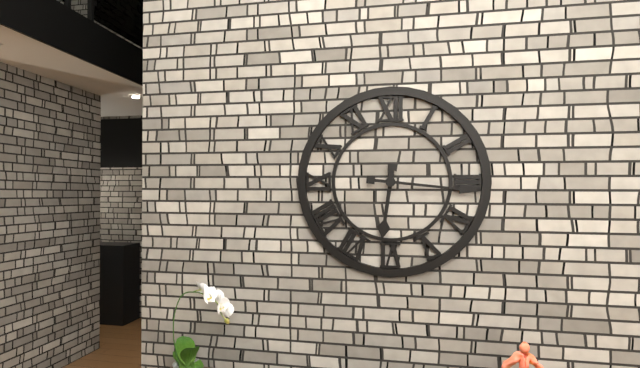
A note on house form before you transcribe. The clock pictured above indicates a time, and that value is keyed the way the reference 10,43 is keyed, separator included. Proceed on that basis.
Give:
6,16
